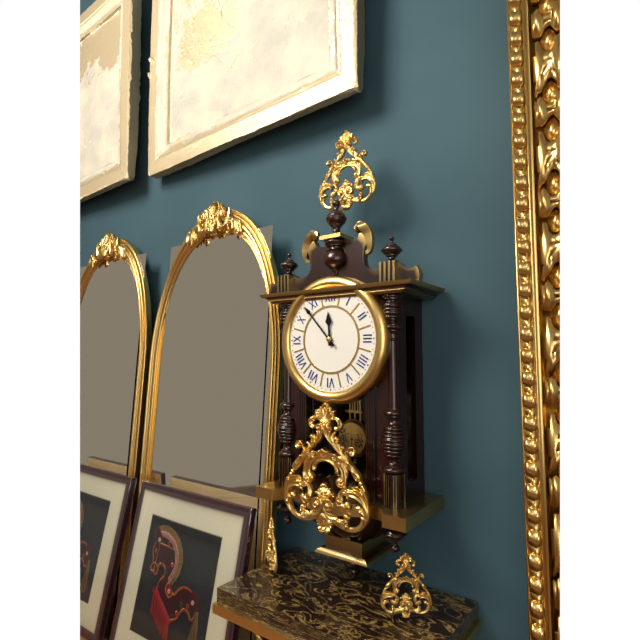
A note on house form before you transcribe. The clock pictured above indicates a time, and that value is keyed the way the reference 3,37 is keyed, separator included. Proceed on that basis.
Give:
11,53
